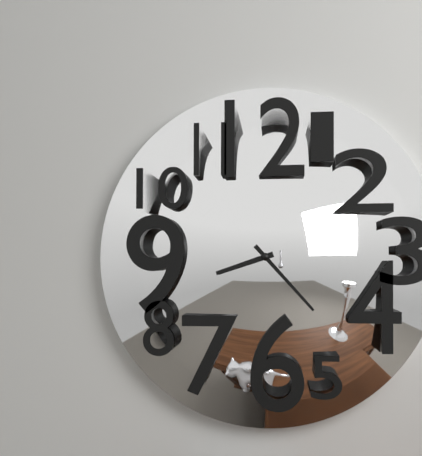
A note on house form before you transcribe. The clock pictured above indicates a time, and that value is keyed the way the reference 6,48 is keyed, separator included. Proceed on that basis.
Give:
8,23
